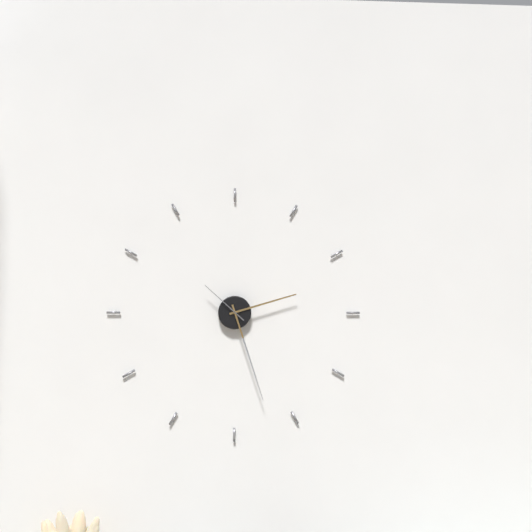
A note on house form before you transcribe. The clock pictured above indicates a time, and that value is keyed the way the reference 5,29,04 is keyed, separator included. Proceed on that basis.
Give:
2,27,52
